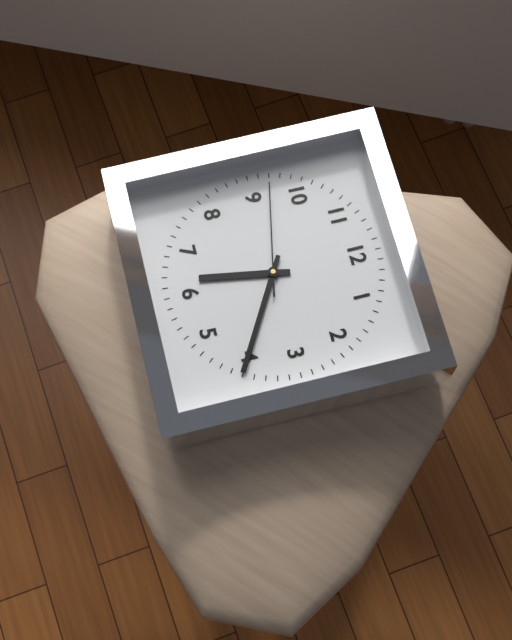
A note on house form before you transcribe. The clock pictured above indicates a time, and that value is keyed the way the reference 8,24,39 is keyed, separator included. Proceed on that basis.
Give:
6,20,47
